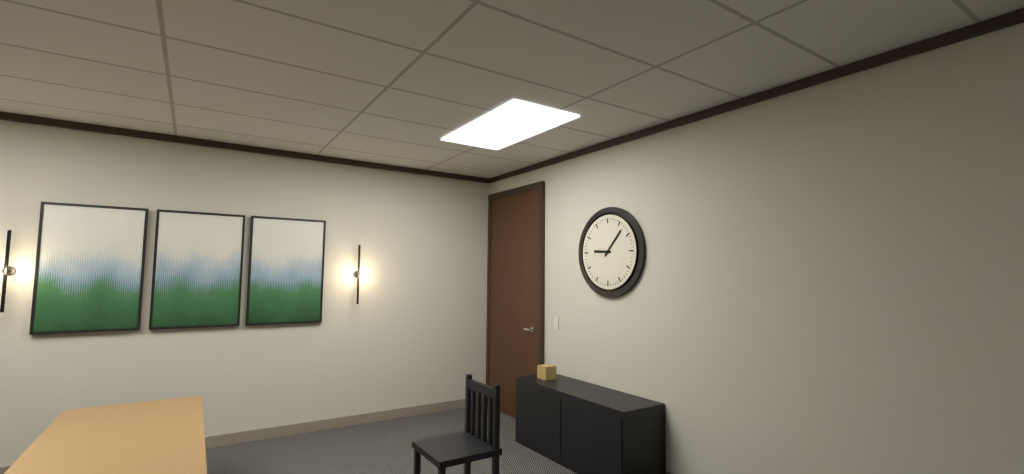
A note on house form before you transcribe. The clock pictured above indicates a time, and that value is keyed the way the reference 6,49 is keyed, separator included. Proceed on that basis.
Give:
9,07
